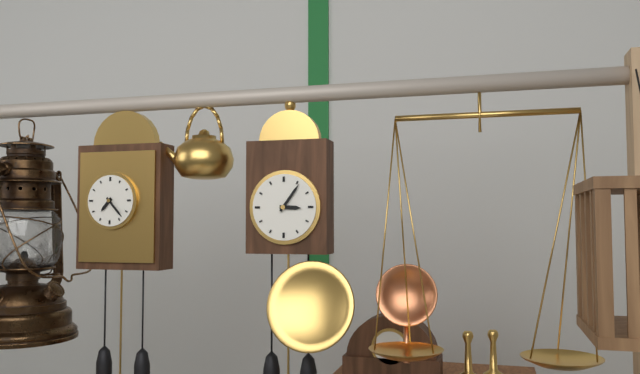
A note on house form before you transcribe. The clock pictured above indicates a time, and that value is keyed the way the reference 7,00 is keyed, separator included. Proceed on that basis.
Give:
3,06
